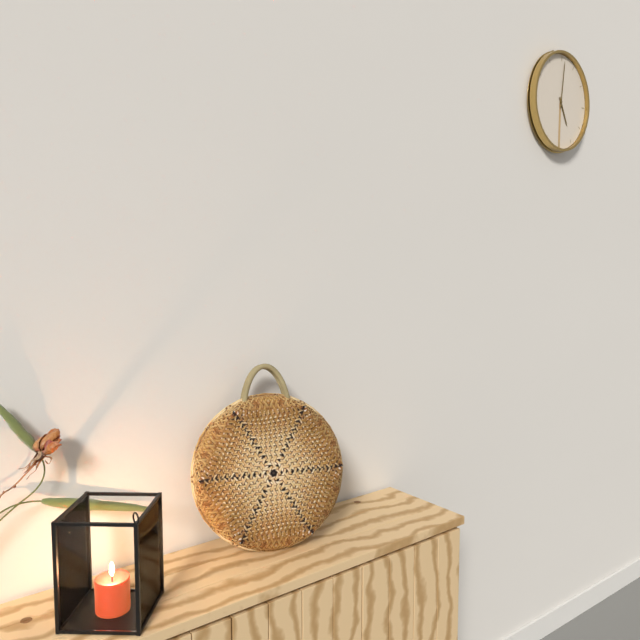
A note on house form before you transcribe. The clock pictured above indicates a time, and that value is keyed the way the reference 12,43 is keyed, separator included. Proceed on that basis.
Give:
5,01
